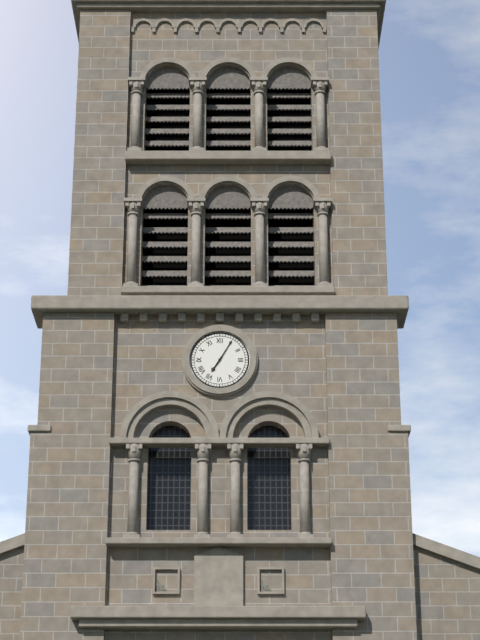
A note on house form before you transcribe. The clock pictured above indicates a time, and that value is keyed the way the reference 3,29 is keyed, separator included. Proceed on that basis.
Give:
7,05
